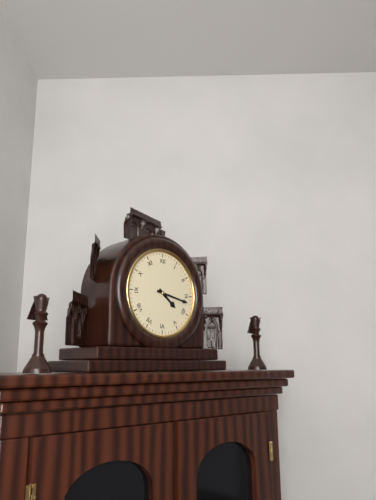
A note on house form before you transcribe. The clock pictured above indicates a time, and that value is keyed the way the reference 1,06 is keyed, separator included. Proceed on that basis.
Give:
4,17
